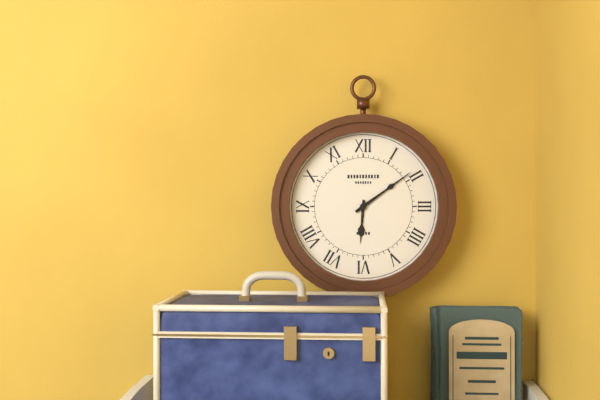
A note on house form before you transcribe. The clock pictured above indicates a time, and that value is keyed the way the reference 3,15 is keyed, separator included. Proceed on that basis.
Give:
6,09
